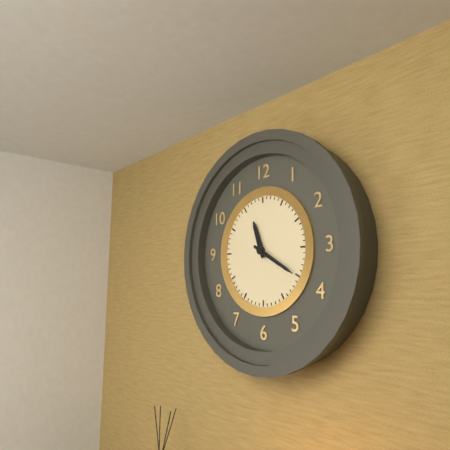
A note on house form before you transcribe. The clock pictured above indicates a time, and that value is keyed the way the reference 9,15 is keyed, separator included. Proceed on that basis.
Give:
11,20
